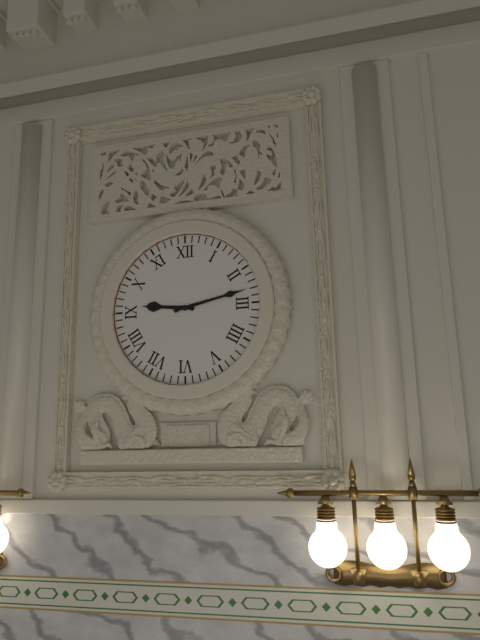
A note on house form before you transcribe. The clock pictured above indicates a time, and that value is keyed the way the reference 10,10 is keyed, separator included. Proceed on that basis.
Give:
9,13
